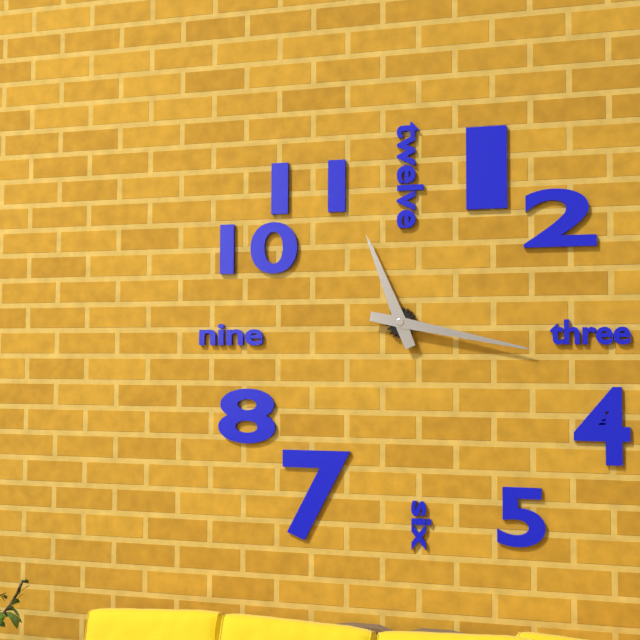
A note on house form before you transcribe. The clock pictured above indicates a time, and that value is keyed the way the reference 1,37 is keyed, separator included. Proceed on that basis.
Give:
11,17
